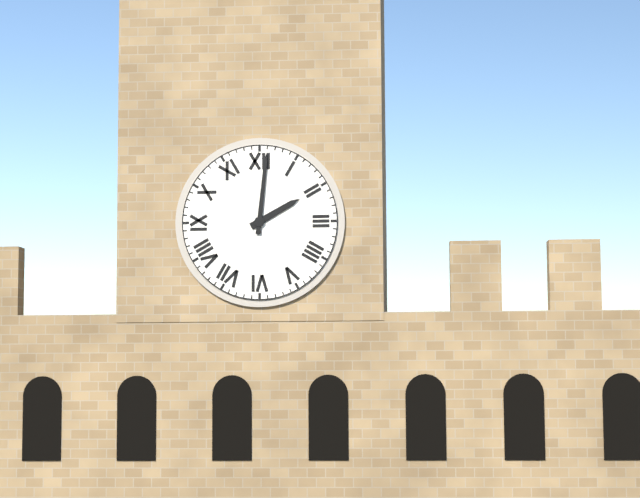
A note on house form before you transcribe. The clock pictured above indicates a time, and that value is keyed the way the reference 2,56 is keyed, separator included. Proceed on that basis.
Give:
2,01
